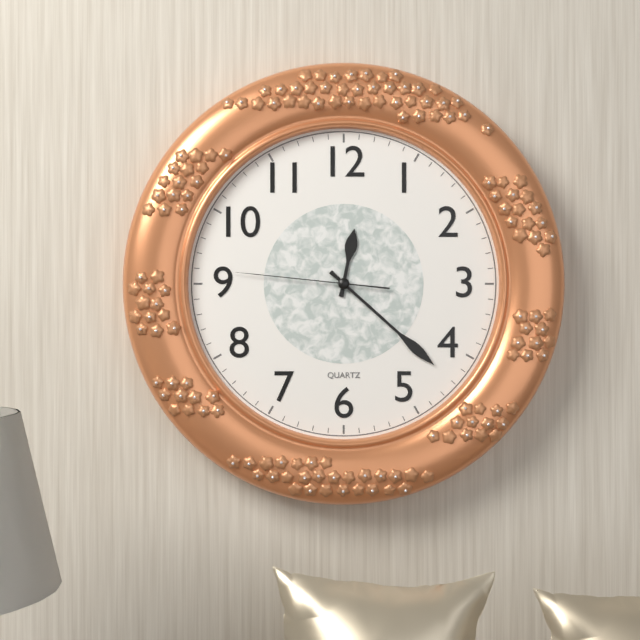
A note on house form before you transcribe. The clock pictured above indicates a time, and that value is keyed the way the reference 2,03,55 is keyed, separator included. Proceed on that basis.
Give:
12,22,46
